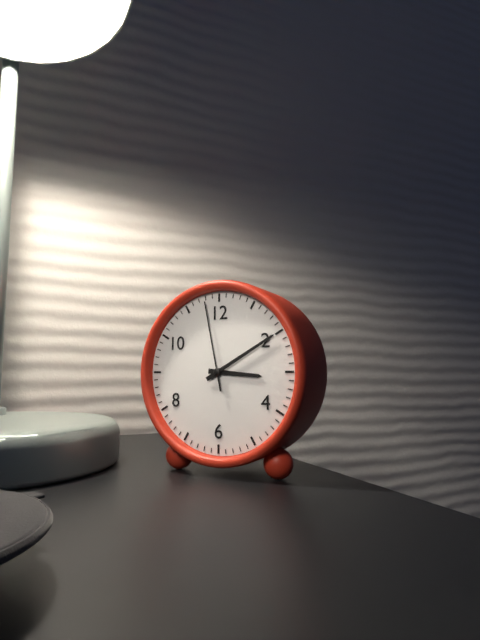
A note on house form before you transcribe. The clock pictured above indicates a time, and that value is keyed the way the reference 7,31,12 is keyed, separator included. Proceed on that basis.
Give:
3,10,58
